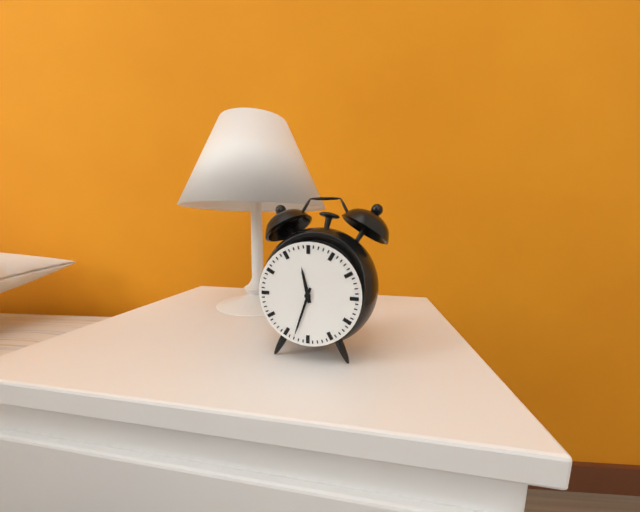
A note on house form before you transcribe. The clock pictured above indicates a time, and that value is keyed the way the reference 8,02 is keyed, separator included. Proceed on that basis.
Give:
11,33
